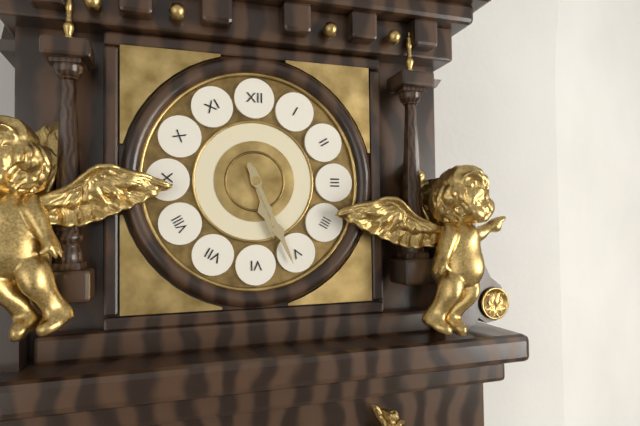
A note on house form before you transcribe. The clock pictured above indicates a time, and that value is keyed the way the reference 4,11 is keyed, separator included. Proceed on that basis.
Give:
5,26
